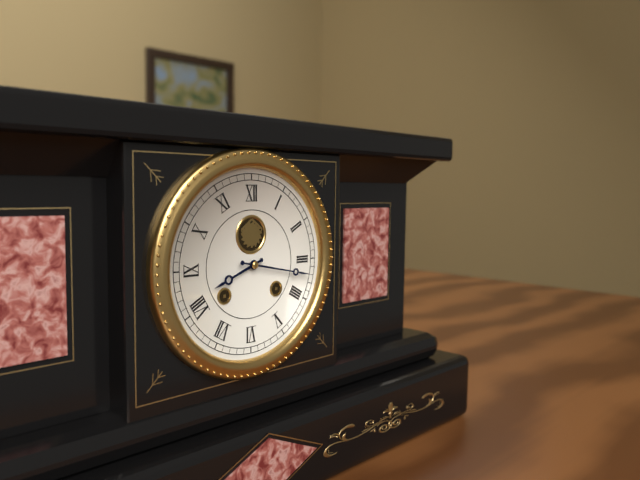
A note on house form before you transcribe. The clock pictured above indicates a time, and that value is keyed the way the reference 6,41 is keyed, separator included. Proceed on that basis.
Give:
8,17
